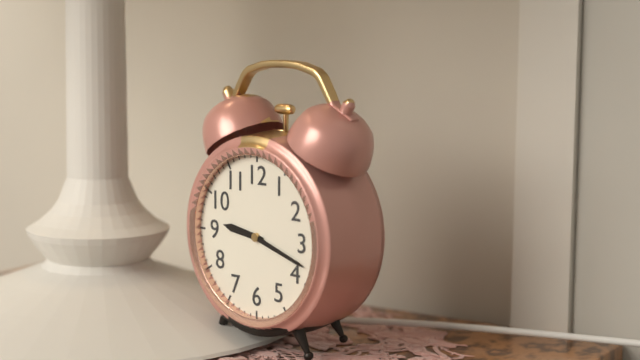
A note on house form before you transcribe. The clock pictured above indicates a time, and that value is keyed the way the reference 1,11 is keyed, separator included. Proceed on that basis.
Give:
9,18
